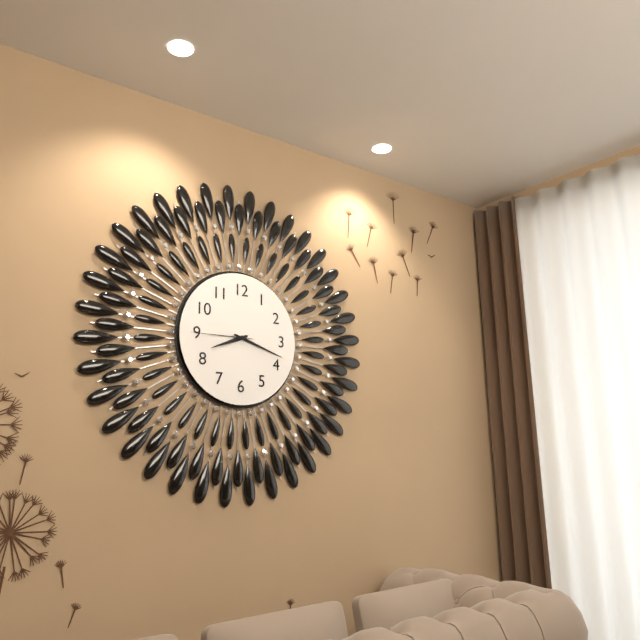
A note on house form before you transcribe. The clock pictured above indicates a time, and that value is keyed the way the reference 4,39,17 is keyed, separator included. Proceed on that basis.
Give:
8,18,45
